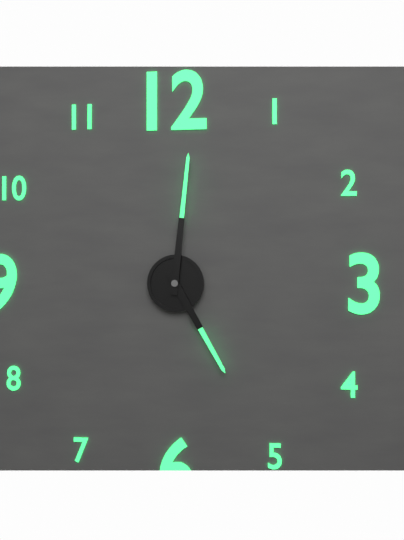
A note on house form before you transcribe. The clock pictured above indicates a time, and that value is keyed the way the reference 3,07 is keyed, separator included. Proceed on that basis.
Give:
5,01
